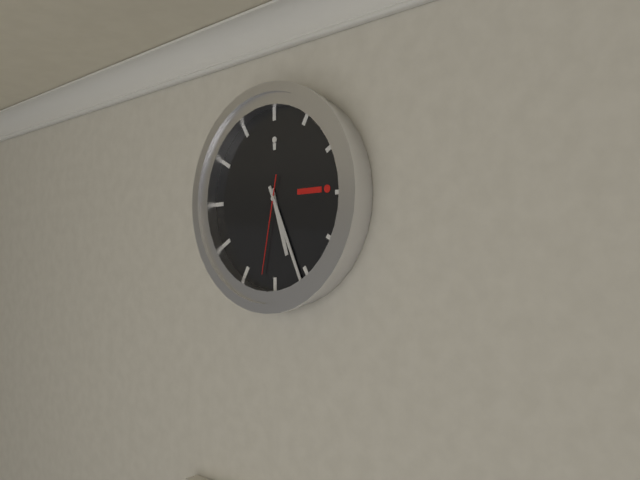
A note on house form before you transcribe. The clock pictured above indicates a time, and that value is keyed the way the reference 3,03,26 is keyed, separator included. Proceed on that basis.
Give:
5,26,32
